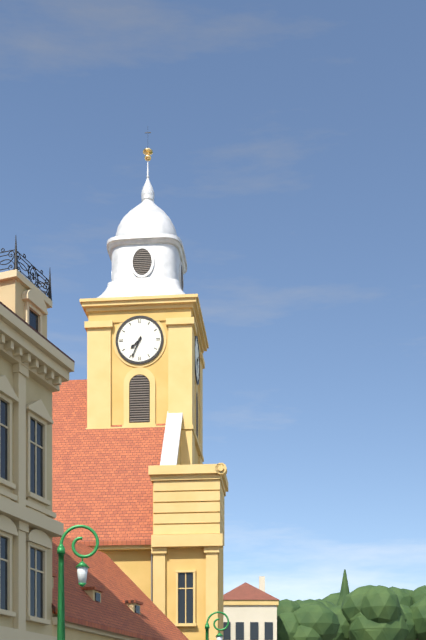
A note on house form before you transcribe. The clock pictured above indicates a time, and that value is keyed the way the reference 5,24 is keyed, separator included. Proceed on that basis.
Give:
7,34
